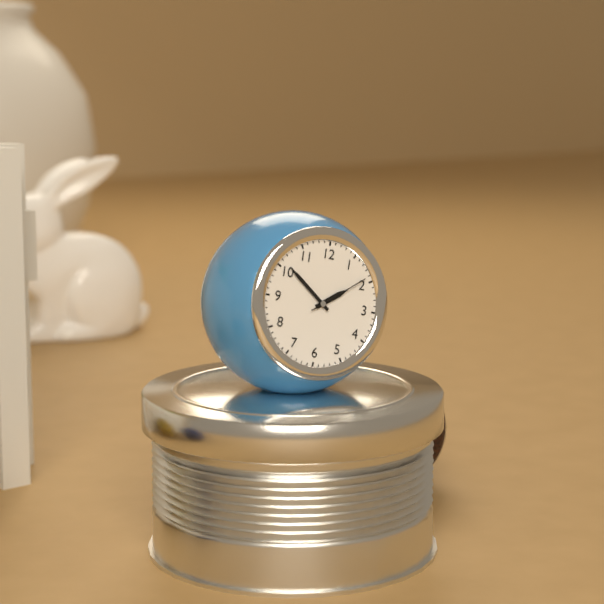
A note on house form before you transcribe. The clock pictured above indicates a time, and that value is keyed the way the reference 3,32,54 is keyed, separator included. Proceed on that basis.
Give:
1,51,09
